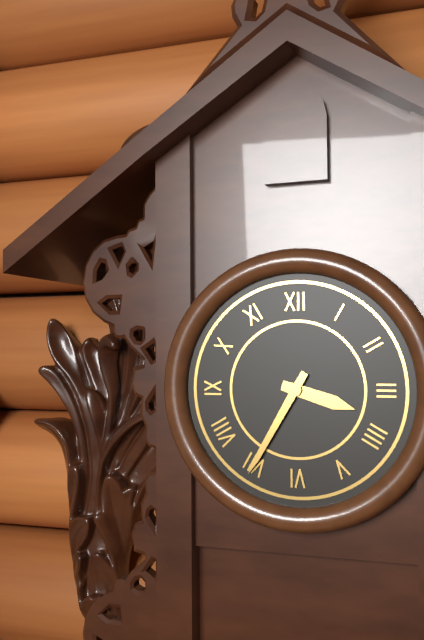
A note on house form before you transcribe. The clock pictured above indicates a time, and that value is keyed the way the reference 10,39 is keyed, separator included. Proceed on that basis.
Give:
3,35
